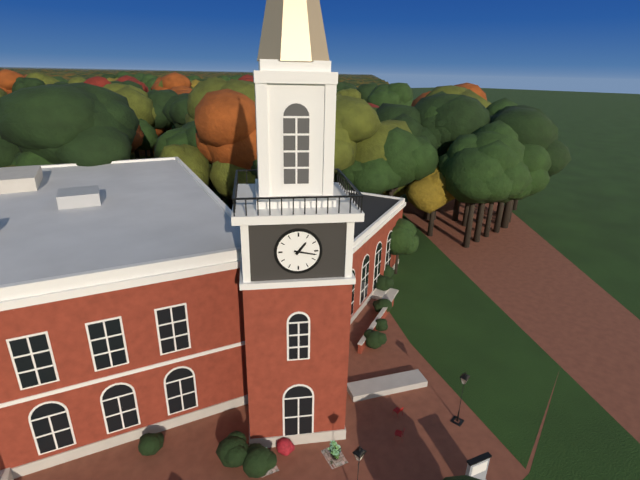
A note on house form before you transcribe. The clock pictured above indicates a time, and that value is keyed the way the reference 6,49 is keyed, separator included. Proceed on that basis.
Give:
1,17
